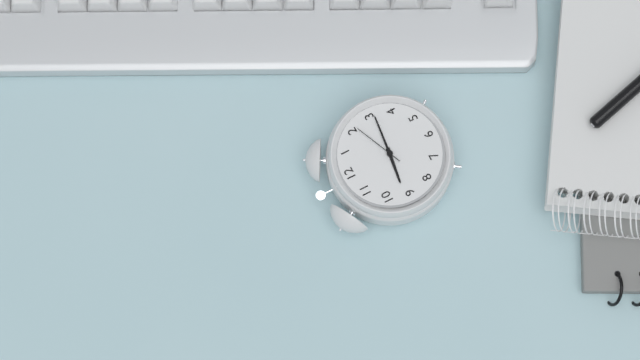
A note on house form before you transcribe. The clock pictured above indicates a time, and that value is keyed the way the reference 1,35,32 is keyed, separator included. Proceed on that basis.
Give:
9,16,11
